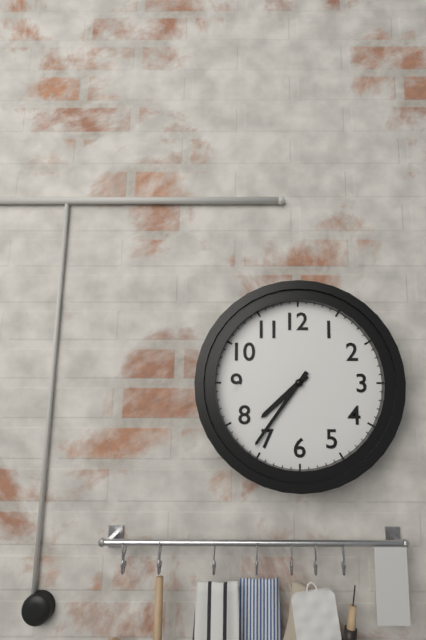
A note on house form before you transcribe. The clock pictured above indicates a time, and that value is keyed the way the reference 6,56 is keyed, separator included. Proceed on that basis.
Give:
7,36
